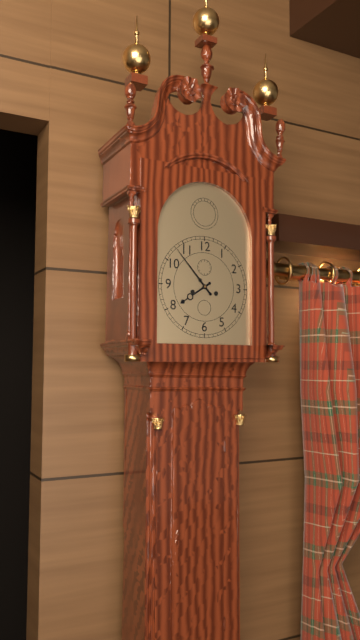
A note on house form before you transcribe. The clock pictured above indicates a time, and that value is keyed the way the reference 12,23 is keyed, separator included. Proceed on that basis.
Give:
7,53
